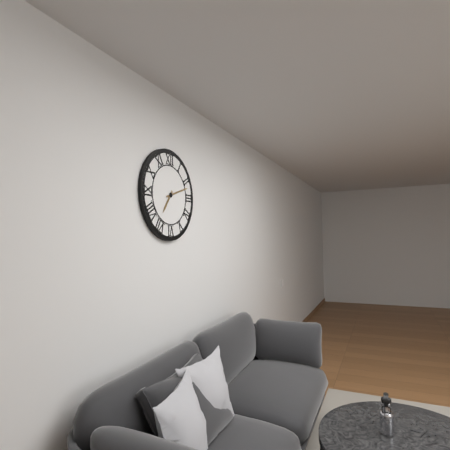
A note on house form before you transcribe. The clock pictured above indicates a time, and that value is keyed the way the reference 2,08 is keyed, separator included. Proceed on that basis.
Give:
7,12
